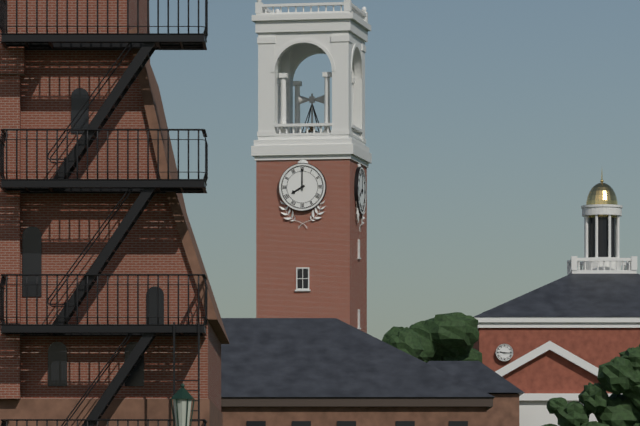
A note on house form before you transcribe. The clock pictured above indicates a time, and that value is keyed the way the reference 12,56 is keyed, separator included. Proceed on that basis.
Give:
8,00
